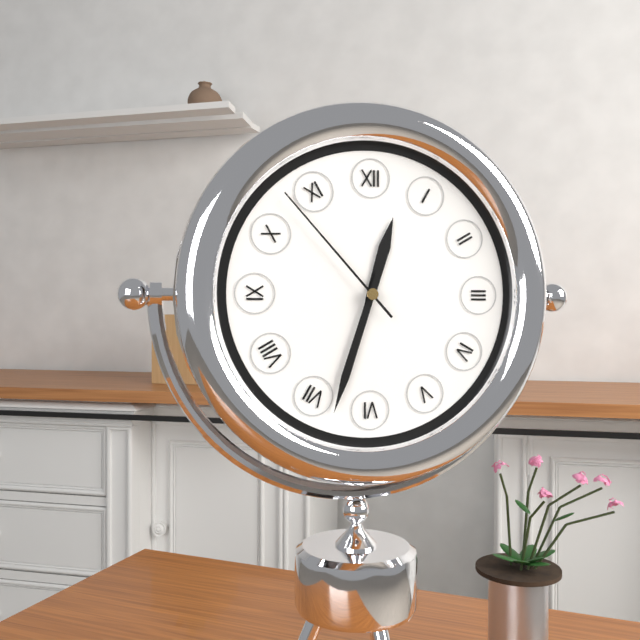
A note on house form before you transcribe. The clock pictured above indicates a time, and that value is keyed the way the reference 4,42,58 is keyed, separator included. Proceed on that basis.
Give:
12,33,53
